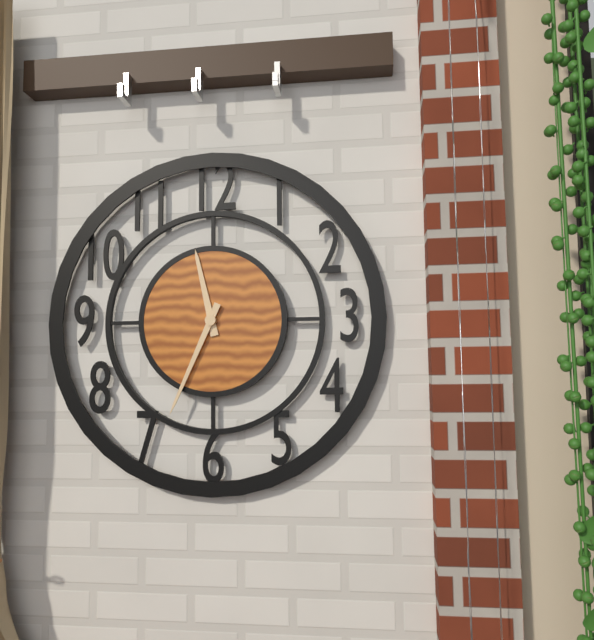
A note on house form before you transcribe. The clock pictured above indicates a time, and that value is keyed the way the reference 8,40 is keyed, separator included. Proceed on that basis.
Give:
11,34
